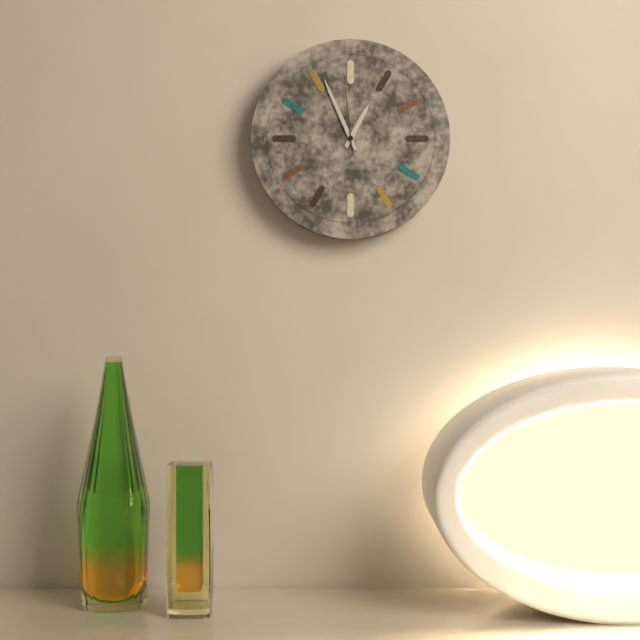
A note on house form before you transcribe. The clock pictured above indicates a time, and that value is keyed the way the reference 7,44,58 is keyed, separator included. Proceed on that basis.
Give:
12,56,59
